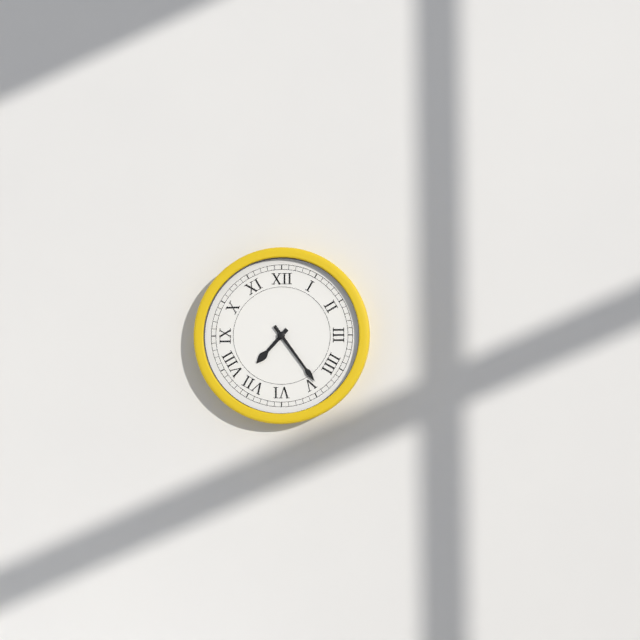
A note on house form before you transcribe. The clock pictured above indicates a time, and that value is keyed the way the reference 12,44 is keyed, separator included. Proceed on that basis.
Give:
7,24
